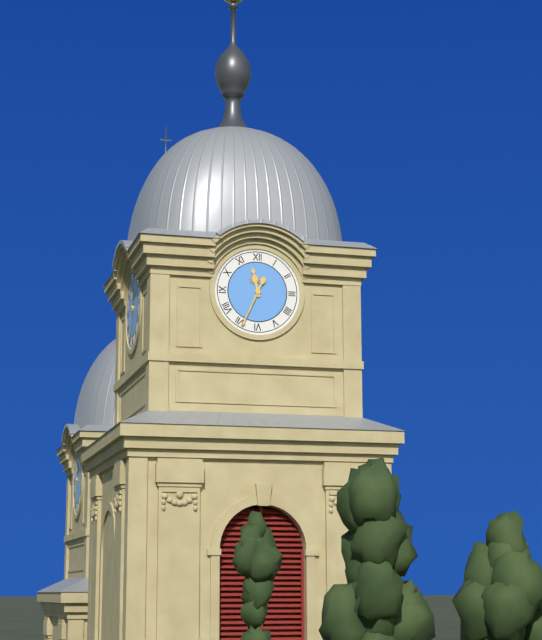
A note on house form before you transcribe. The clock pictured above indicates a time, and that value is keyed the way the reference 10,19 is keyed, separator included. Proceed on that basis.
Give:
11,34
